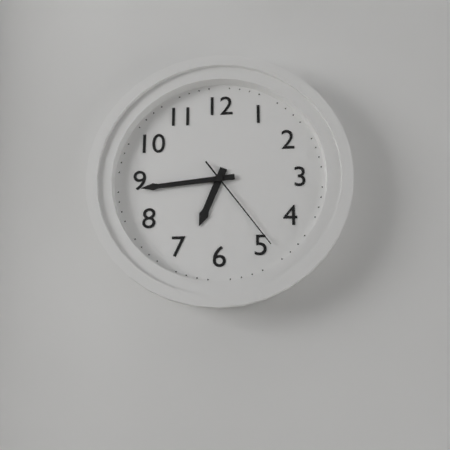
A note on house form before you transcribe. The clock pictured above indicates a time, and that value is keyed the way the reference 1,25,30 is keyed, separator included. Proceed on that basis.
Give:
6,44,24
